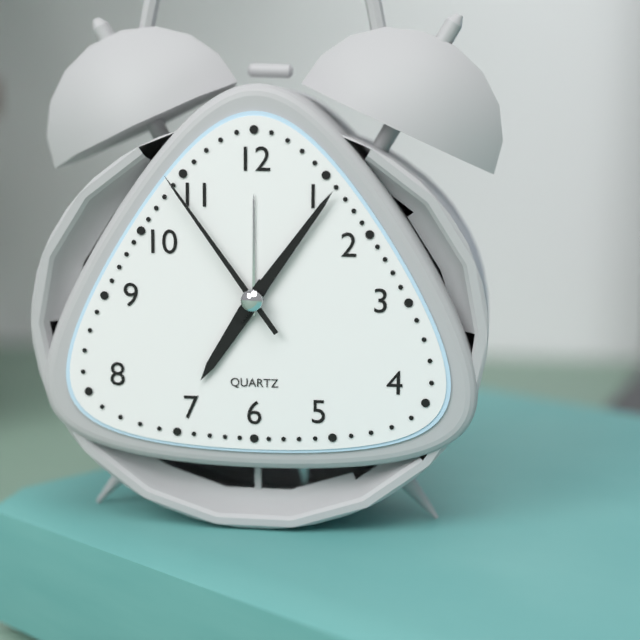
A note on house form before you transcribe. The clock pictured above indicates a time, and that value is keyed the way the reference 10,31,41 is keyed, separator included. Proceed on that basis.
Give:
7,06,54
